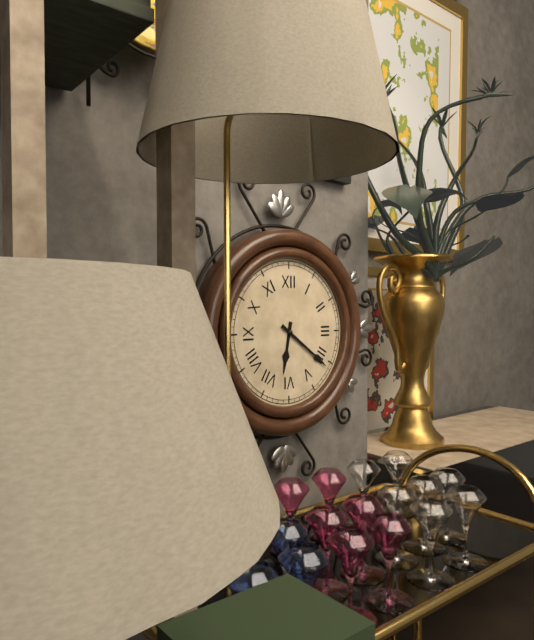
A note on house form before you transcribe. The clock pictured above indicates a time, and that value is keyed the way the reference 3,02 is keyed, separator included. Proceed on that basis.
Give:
6,21
